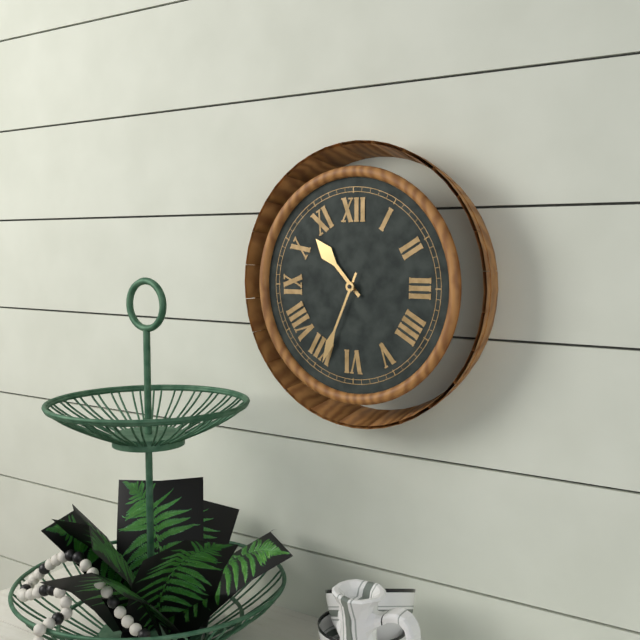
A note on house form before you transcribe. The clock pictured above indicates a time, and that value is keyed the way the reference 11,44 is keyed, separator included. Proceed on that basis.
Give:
10,34
